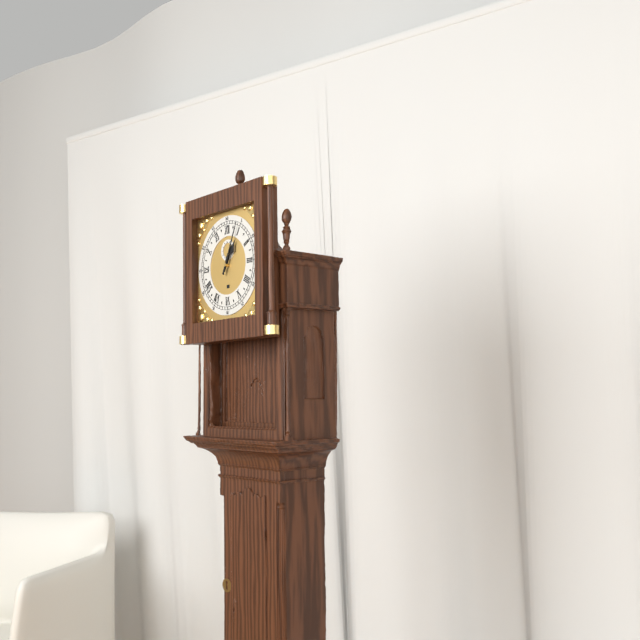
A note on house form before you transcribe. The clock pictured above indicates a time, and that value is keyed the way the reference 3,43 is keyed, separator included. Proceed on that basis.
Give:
1,04
